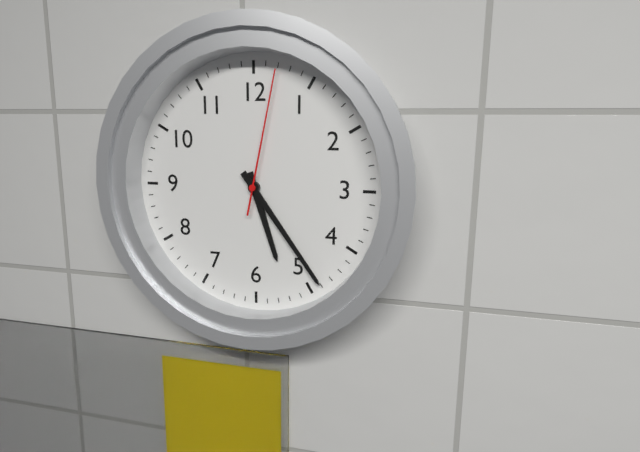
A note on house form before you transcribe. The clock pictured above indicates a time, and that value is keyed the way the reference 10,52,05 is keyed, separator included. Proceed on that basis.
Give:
5,24,02
